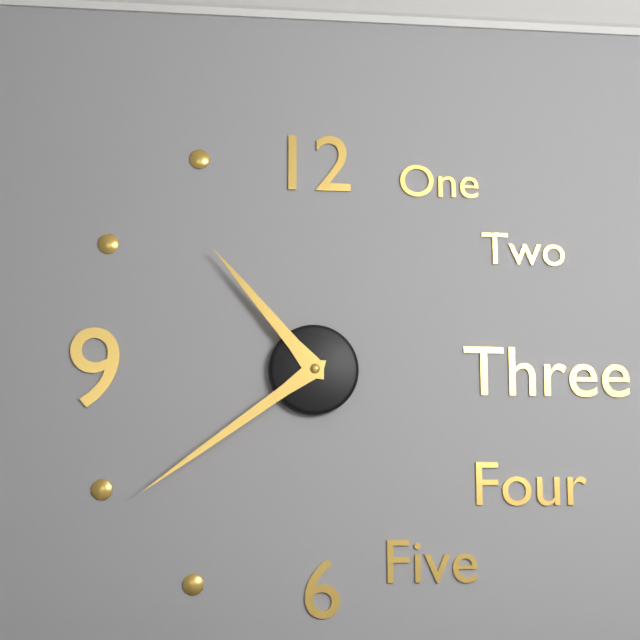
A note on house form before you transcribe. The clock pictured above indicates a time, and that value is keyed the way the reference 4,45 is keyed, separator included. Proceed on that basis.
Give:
10,39
